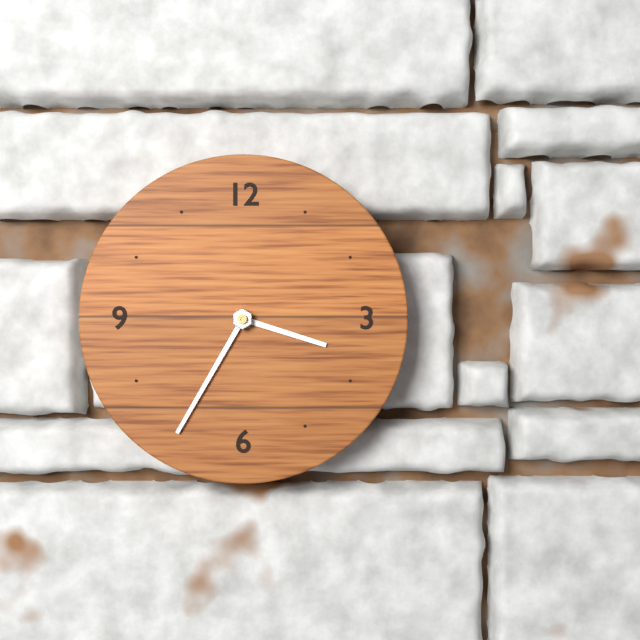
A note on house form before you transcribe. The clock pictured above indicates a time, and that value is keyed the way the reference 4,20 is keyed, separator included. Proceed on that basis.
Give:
3,35
